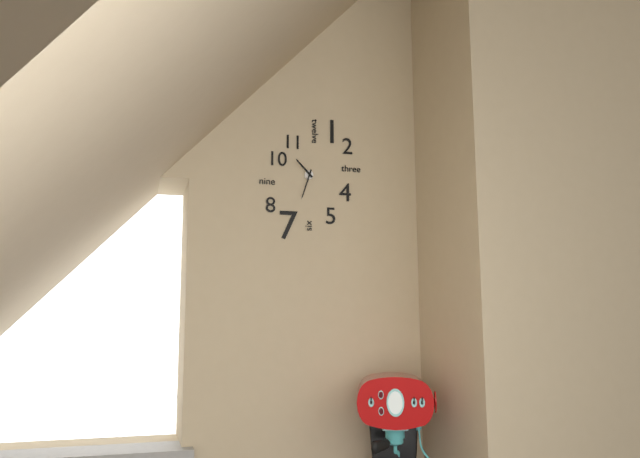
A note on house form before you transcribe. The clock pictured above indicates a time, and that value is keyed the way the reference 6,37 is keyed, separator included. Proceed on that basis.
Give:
10,33
